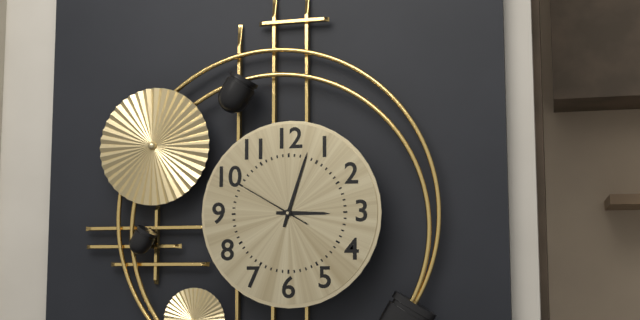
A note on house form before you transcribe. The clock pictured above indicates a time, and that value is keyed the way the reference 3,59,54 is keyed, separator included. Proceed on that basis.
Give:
3,03,50
